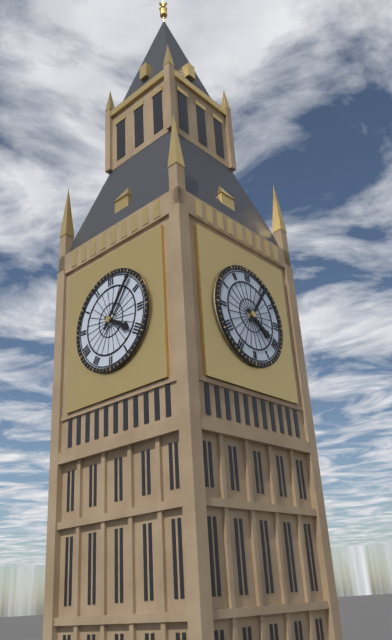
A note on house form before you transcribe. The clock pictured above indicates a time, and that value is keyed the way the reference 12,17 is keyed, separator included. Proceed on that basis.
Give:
4,06
